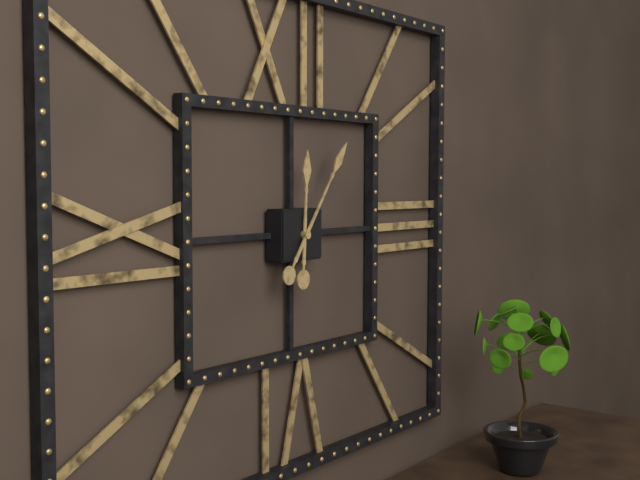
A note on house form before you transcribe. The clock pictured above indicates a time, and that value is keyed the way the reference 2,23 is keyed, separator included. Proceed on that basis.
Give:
12,06
